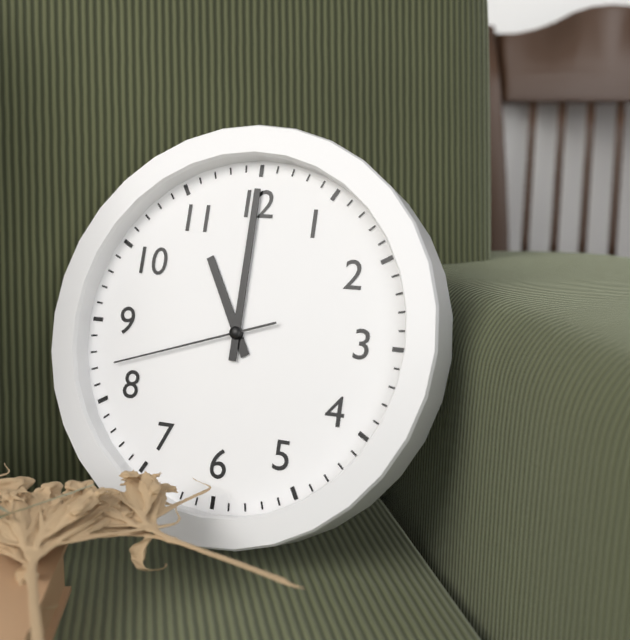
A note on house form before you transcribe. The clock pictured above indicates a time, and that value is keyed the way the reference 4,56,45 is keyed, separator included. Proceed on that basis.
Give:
11,00,42
